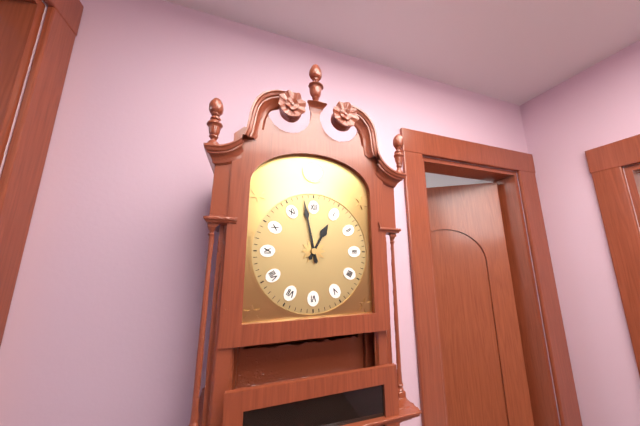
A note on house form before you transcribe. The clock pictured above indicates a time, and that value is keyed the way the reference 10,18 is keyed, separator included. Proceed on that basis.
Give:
12,58
